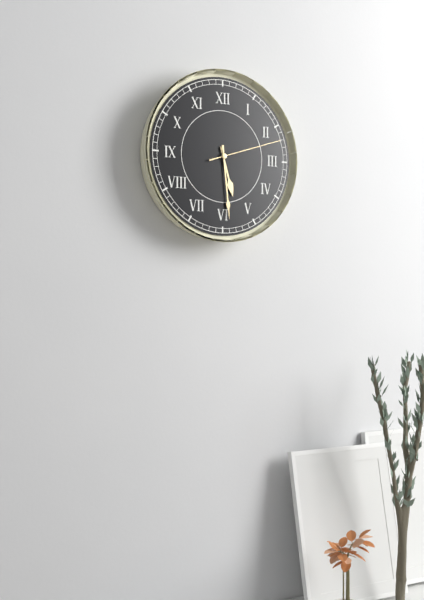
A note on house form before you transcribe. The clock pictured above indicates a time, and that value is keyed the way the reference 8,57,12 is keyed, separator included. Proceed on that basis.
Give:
5,29,12
